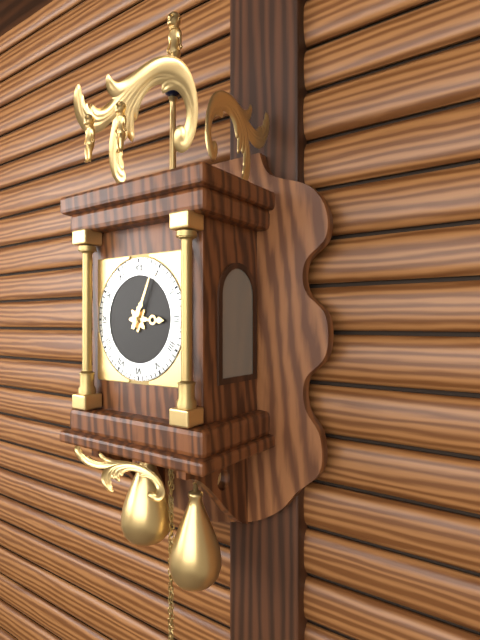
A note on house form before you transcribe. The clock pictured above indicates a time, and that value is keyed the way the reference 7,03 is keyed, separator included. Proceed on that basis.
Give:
3,04
